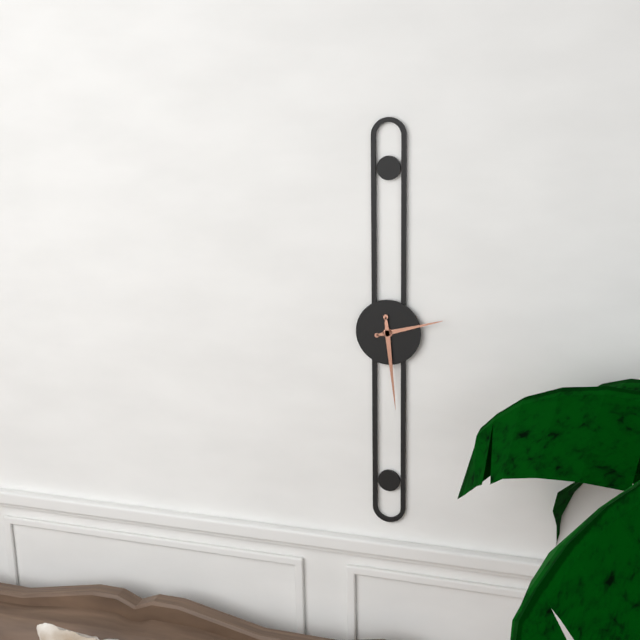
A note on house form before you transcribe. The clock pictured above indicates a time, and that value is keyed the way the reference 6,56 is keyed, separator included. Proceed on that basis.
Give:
2,29
